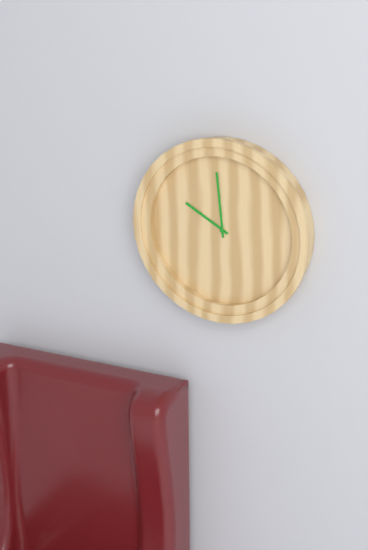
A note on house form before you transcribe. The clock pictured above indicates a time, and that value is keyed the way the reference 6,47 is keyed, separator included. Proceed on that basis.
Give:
9,59
